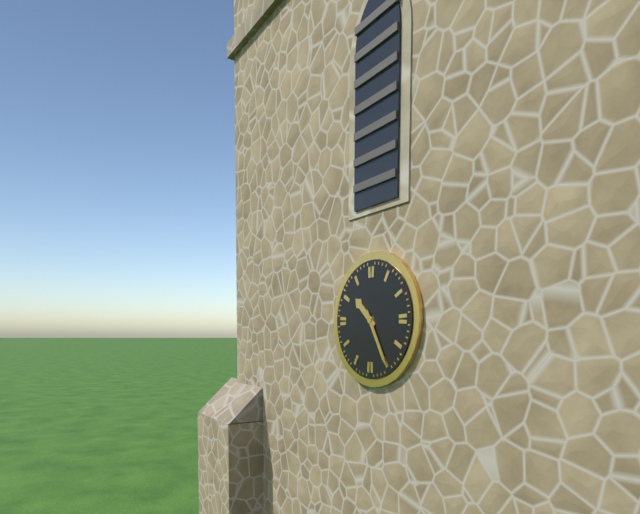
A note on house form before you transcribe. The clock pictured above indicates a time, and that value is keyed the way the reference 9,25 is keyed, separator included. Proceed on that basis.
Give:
10,25
